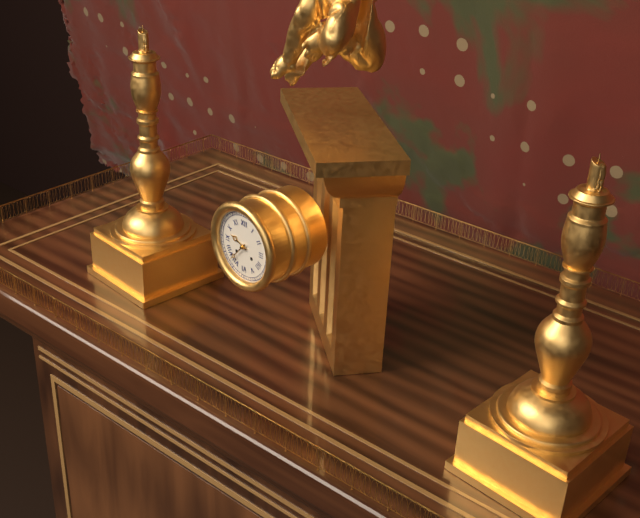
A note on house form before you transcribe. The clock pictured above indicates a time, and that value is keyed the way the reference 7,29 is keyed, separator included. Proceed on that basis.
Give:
9,37
